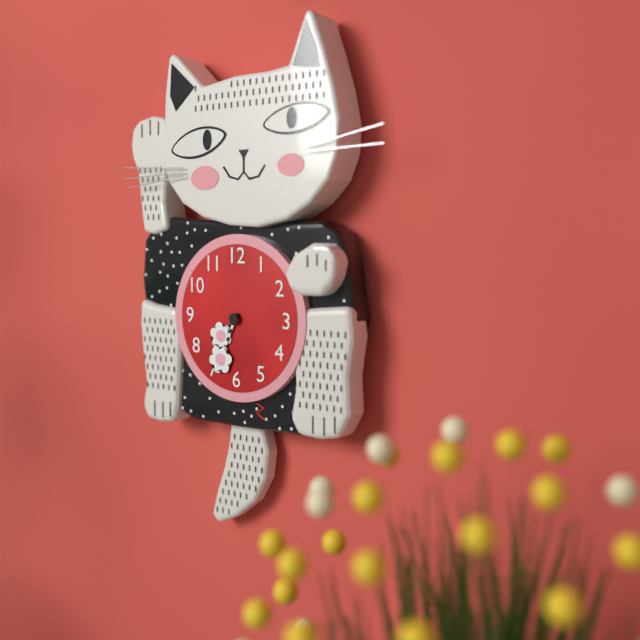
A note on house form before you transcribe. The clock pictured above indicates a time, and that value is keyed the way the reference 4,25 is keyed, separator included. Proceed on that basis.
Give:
7,34
